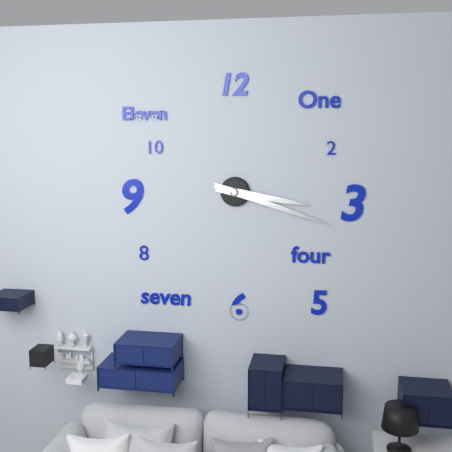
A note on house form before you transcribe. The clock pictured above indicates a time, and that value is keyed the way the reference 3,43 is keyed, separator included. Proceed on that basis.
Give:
3,18
